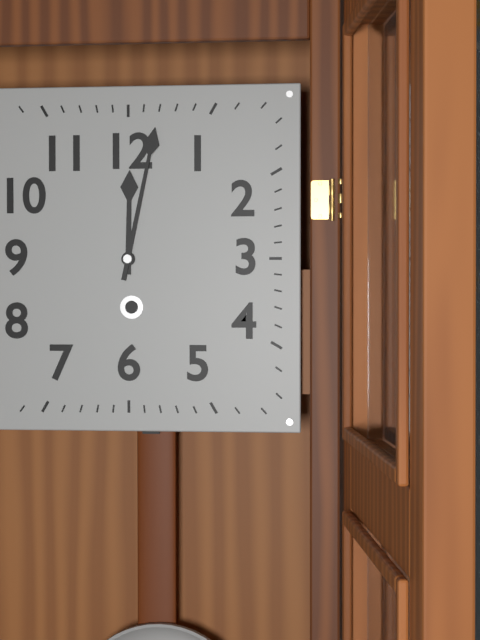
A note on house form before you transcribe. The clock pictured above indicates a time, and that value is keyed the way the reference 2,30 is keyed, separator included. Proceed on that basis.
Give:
12,02
